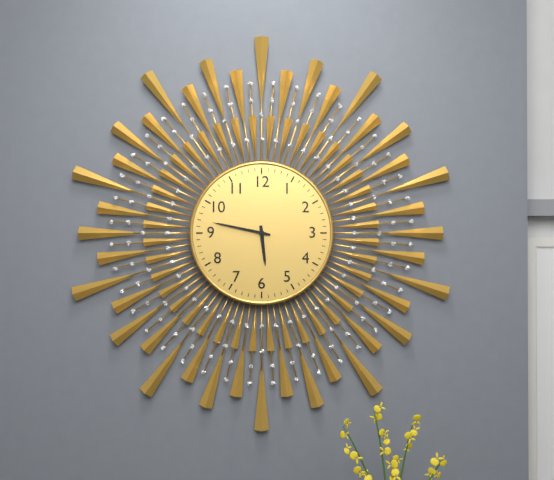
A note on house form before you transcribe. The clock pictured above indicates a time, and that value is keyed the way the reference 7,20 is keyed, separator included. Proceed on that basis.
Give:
5,47
